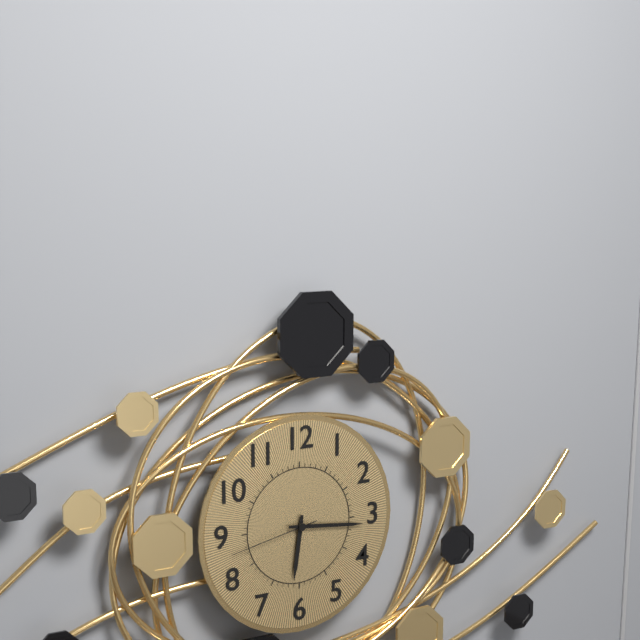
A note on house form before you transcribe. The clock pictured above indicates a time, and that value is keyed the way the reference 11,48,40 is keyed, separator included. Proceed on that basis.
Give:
6,16,43
